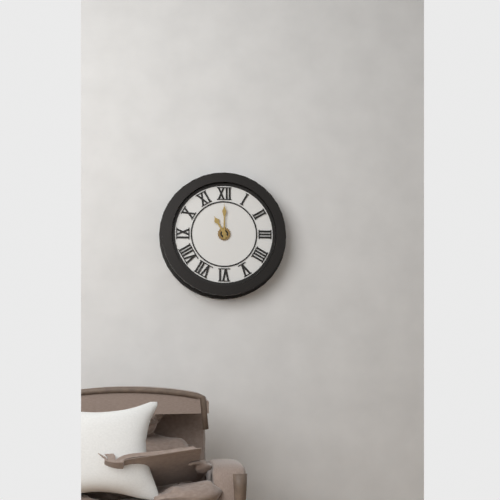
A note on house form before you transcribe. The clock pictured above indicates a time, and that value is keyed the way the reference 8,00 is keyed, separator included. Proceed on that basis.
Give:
11,00
